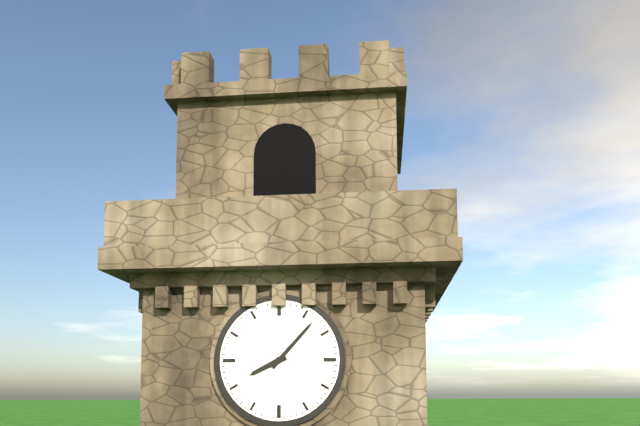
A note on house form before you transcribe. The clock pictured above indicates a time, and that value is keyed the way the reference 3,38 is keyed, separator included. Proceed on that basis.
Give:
8,07
